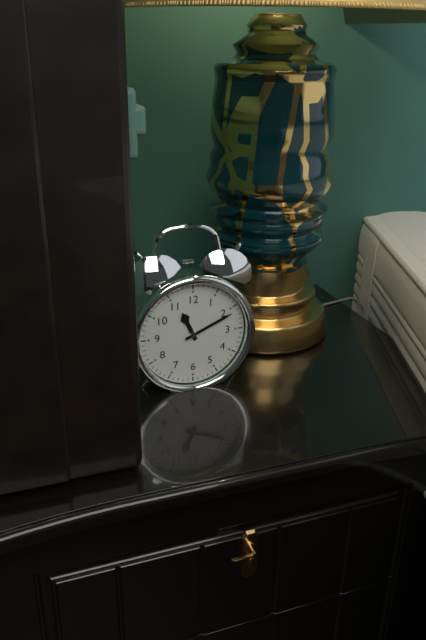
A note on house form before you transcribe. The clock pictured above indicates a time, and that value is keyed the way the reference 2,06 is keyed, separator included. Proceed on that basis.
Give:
11,11
